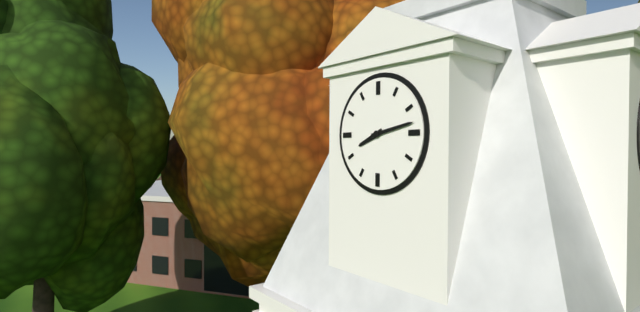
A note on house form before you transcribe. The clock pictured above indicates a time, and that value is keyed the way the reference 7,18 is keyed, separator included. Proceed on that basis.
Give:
8,13
